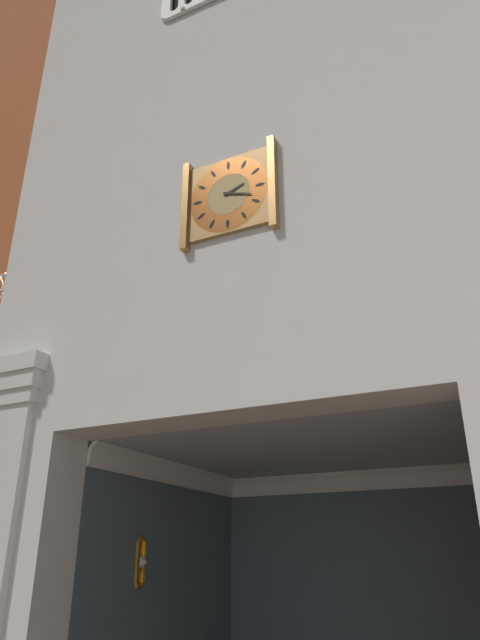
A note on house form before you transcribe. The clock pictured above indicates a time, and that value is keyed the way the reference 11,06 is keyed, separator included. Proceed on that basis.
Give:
2,18
